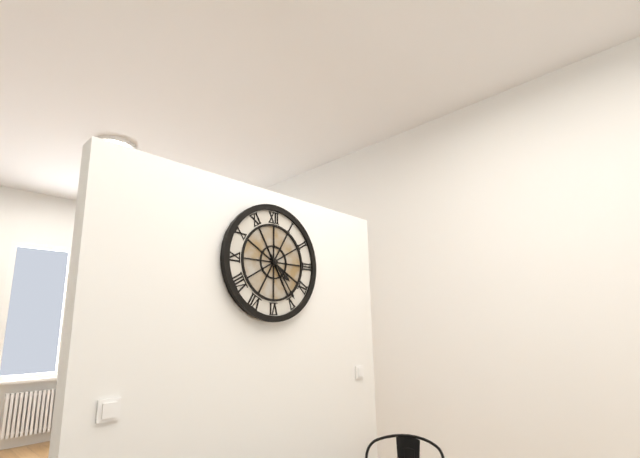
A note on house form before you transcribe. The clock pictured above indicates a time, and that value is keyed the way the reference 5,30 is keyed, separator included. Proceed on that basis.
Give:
4,24
